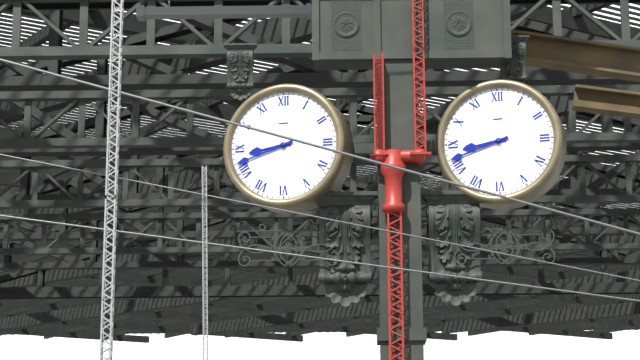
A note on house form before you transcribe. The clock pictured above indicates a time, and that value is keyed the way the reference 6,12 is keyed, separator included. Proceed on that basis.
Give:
8,42
